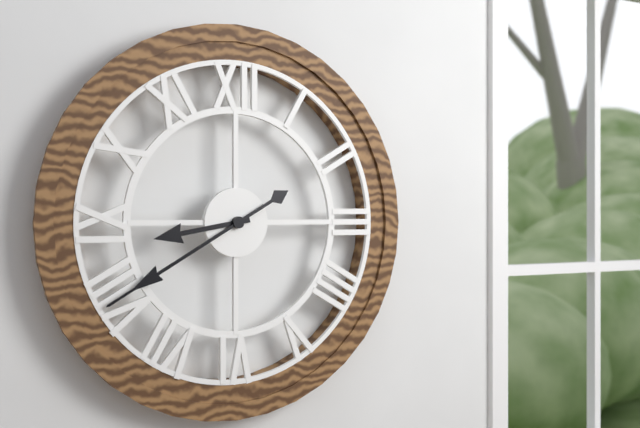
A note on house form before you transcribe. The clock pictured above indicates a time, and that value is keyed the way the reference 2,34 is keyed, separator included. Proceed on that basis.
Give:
8,40
